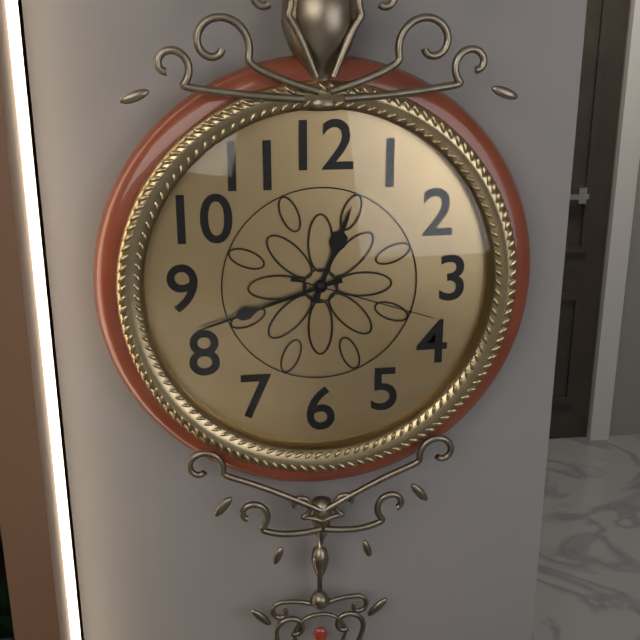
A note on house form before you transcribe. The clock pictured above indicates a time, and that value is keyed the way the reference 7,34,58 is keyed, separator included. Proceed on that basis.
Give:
12,42,18
